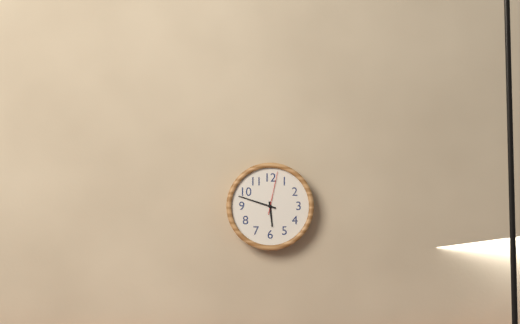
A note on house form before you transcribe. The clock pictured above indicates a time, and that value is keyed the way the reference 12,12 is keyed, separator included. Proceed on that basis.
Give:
5,48
